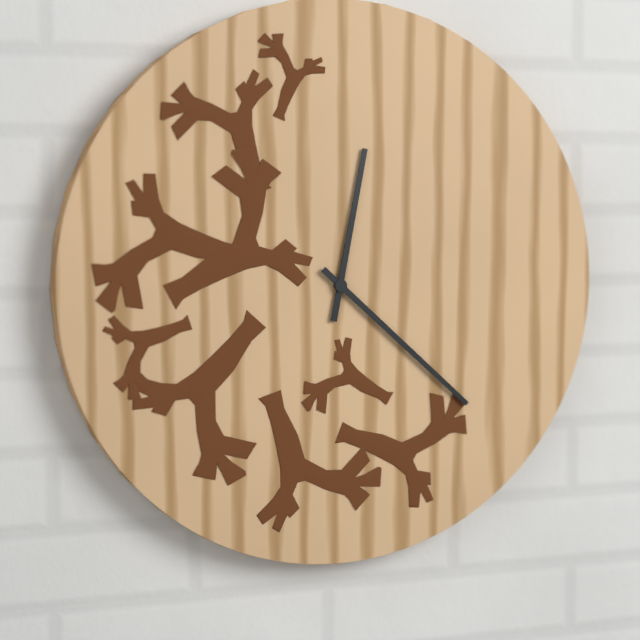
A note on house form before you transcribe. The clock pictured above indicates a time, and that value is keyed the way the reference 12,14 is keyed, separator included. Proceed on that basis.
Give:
12,22
